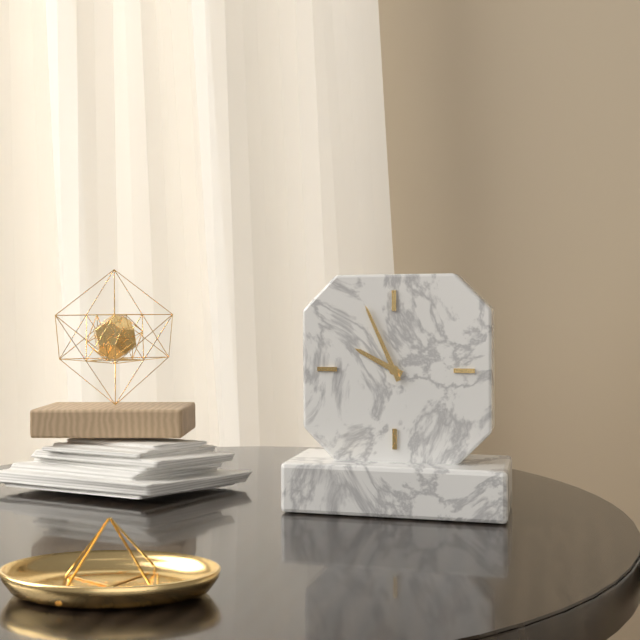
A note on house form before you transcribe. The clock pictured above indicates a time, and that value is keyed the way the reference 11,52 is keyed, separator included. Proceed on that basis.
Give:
9,56
